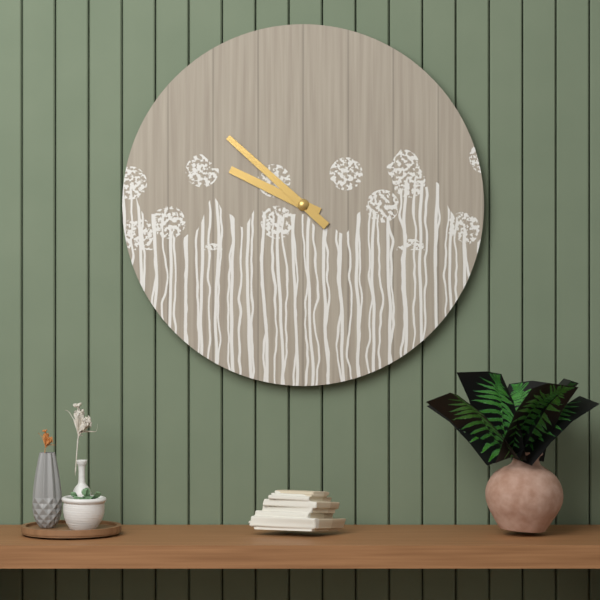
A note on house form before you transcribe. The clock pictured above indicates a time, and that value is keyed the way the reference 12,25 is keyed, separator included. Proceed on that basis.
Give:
9,52
